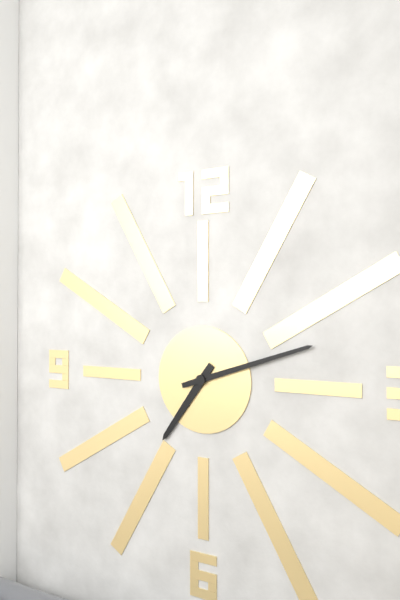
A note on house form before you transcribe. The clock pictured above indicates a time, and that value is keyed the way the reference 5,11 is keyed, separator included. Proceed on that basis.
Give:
7,12
